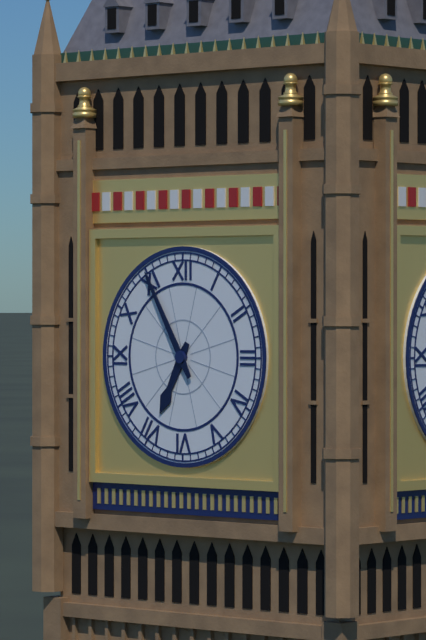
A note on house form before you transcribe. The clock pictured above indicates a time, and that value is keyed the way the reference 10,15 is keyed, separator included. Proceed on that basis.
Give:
6,55
